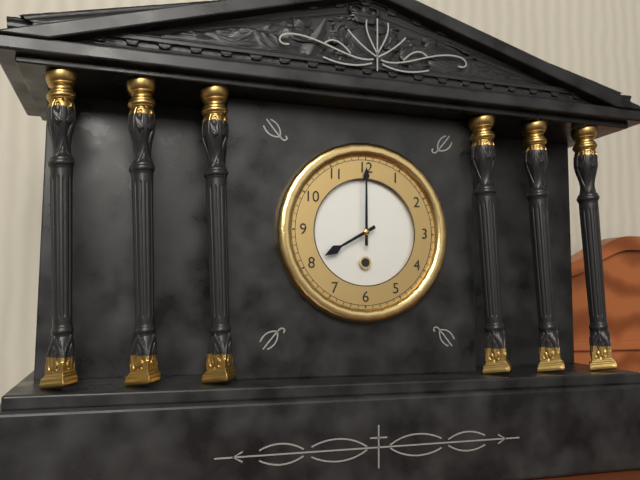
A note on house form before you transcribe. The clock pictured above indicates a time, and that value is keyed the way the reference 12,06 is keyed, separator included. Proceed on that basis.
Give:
8,00
